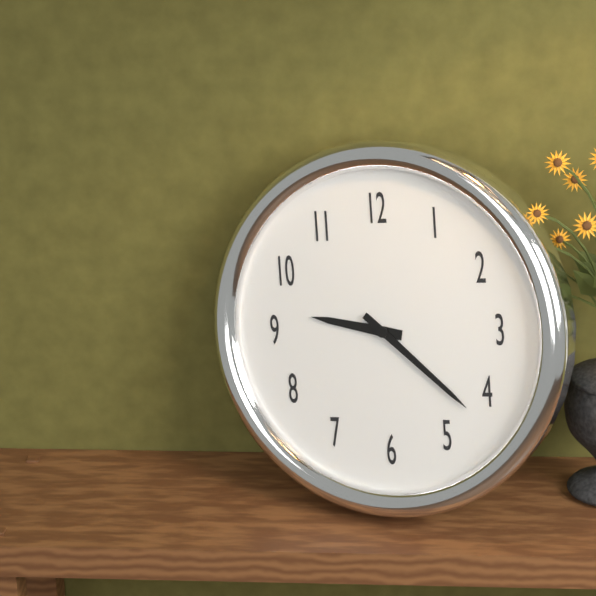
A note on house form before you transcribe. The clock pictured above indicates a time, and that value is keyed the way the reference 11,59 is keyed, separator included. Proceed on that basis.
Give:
9,22
